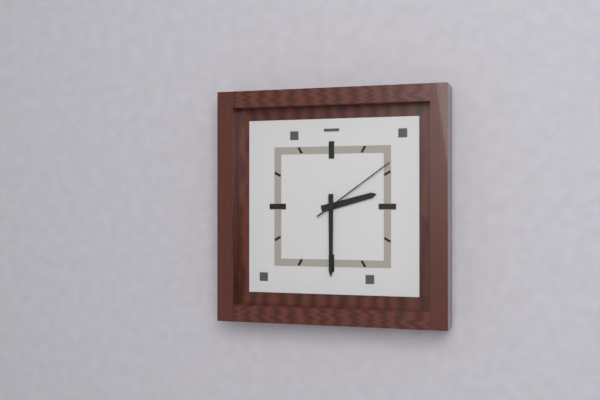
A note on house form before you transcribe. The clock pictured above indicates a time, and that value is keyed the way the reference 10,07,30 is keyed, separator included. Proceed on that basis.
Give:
2,30,09
